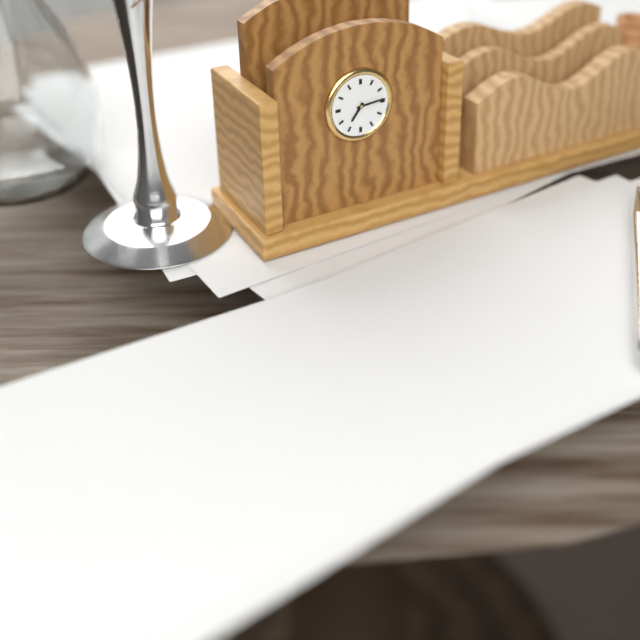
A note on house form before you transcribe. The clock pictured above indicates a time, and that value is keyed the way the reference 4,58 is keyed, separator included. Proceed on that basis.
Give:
7,14
